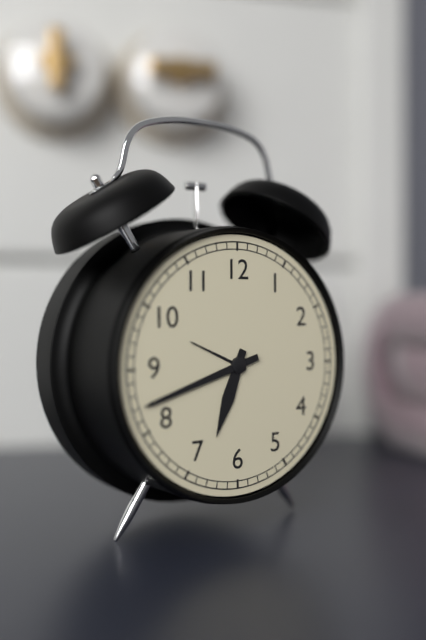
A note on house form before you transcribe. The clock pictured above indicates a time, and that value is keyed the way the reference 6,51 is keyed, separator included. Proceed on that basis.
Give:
6,42
